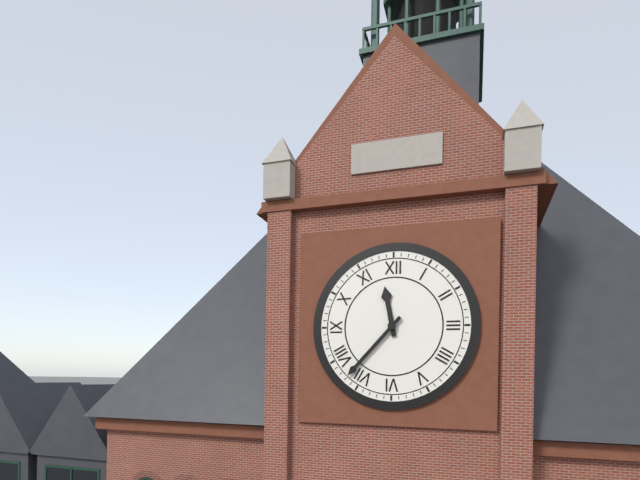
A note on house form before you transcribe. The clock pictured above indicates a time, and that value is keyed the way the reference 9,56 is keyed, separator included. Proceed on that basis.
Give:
11,37
